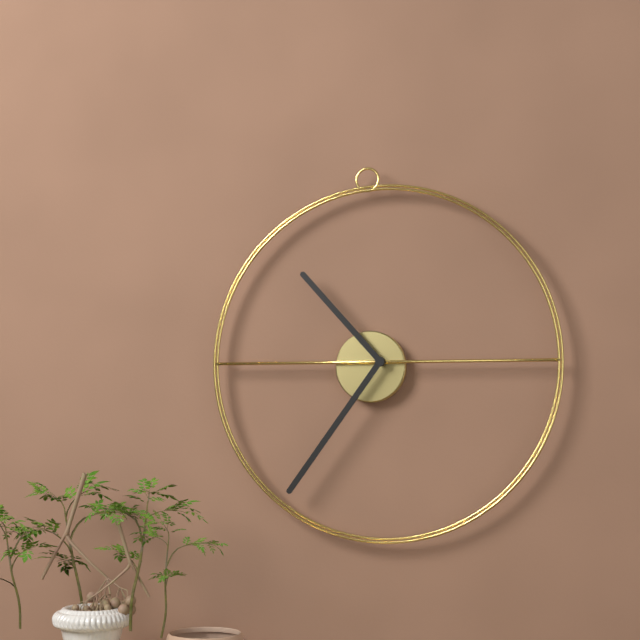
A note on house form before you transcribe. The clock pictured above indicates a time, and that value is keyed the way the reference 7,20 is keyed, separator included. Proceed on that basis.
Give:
10,36
